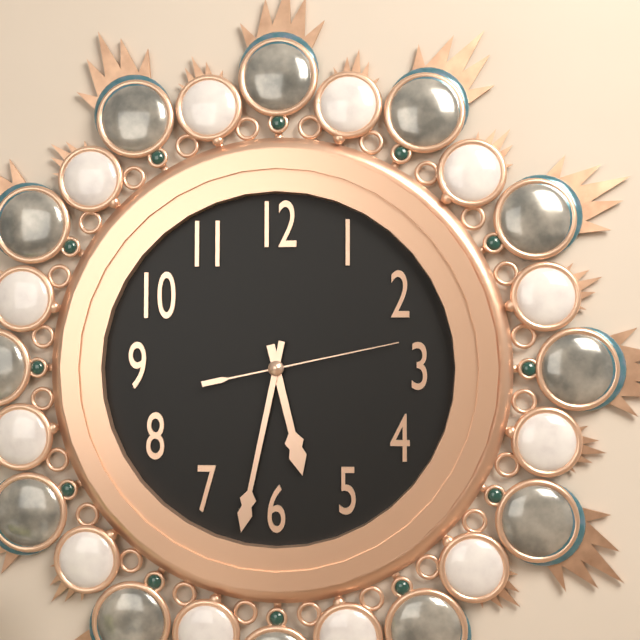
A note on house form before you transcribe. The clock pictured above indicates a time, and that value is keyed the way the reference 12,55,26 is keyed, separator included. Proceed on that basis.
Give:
5,32,13
